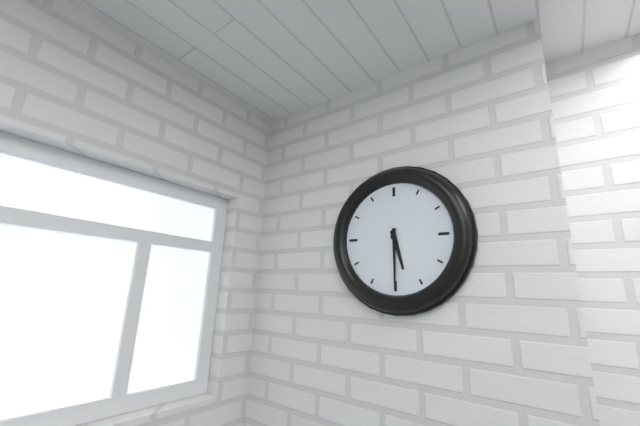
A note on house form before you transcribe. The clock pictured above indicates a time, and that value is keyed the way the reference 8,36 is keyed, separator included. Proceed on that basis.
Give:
5,30
